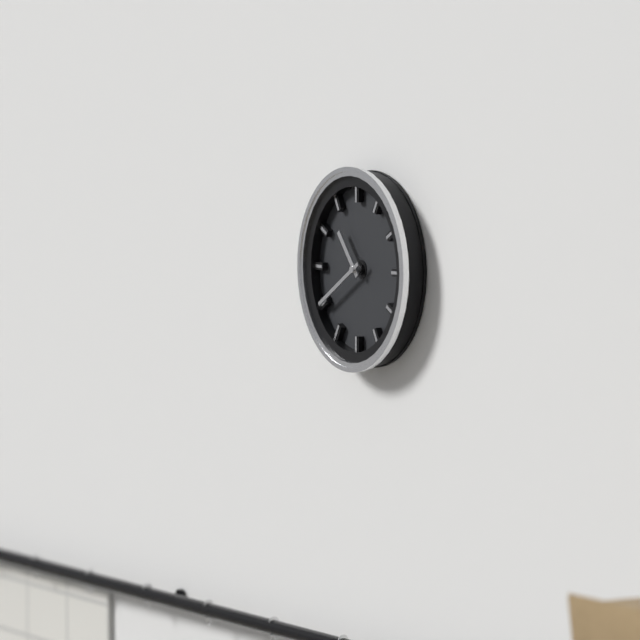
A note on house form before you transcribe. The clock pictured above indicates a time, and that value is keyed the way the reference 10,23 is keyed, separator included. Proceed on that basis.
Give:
10,40
